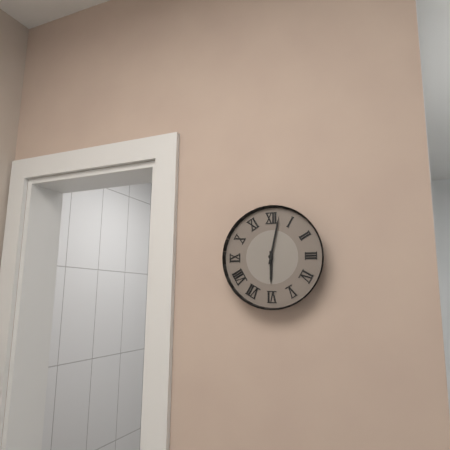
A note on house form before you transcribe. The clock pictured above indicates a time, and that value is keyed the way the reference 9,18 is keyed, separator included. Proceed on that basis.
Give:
6,02
